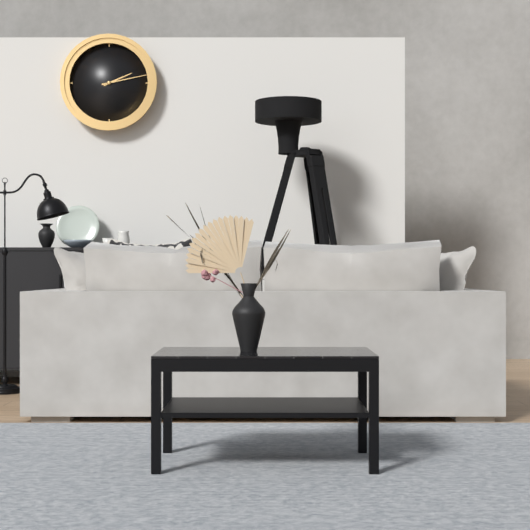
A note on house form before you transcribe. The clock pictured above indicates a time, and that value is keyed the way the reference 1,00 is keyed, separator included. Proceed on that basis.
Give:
2,13
